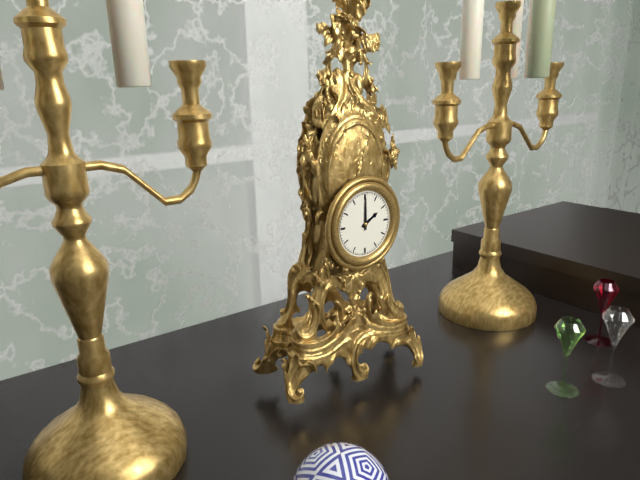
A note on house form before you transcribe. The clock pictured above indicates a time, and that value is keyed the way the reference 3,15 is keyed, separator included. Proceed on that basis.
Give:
2,00
